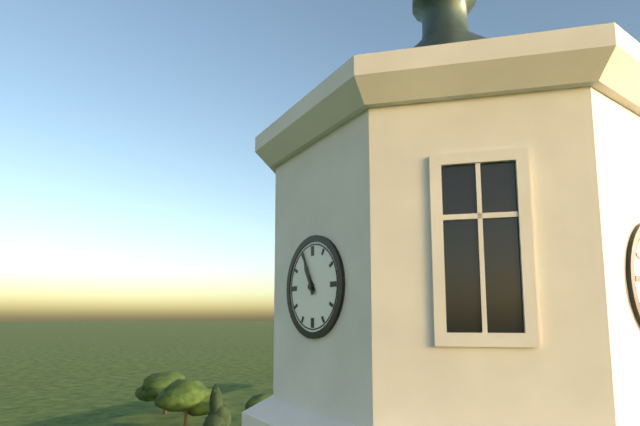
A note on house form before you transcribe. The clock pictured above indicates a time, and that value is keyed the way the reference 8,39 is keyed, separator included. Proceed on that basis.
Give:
10,56
